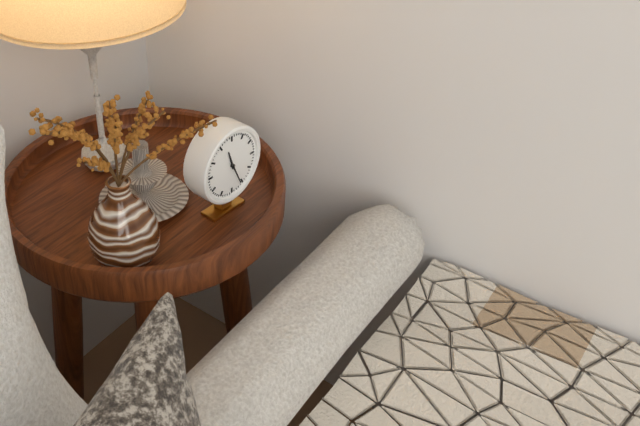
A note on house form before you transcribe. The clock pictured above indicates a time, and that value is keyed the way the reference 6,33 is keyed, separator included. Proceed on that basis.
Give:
11,26
